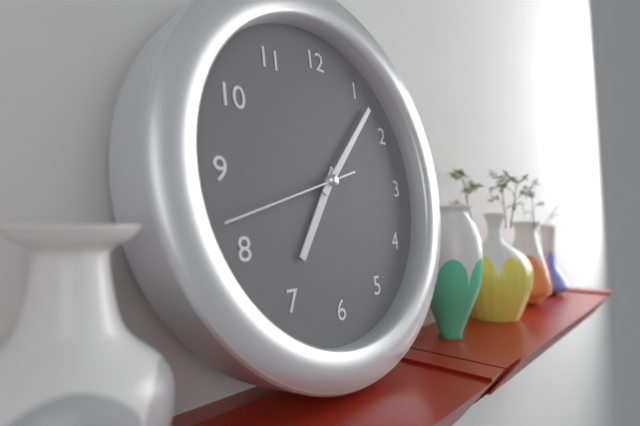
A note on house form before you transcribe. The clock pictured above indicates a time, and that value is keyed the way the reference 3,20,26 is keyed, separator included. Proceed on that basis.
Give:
7,07,42
